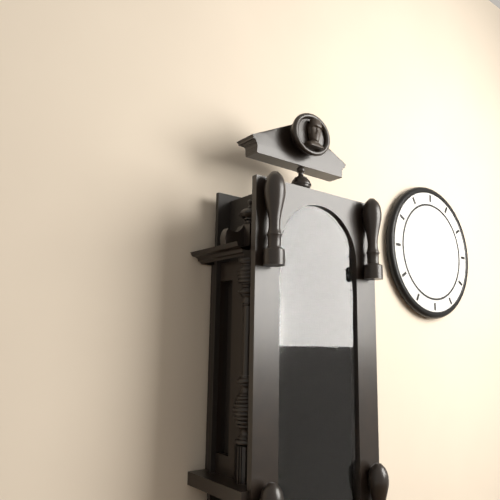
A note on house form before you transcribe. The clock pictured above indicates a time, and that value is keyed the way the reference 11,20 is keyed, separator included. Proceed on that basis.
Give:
1,50
